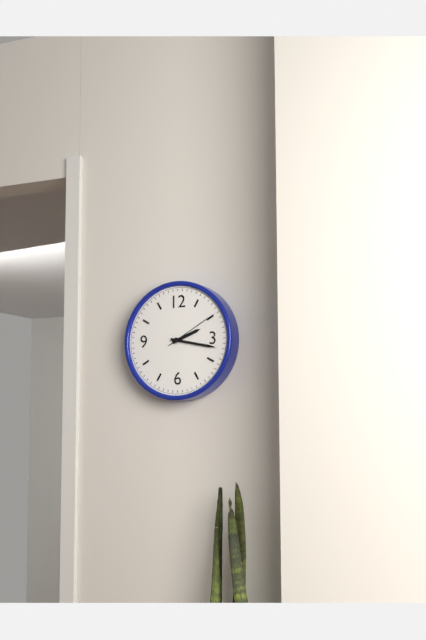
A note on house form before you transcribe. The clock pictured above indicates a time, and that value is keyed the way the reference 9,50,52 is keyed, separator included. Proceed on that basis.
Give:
2,17,10
